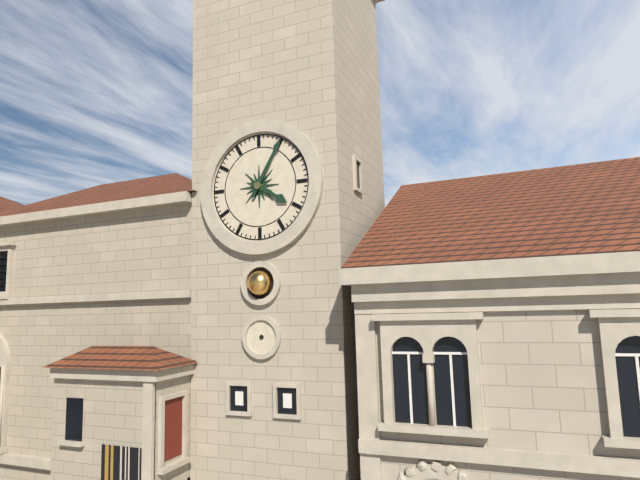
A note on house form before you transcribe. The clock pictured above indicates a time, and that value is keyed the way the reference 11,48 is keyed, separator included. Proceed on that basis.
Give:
4,05
